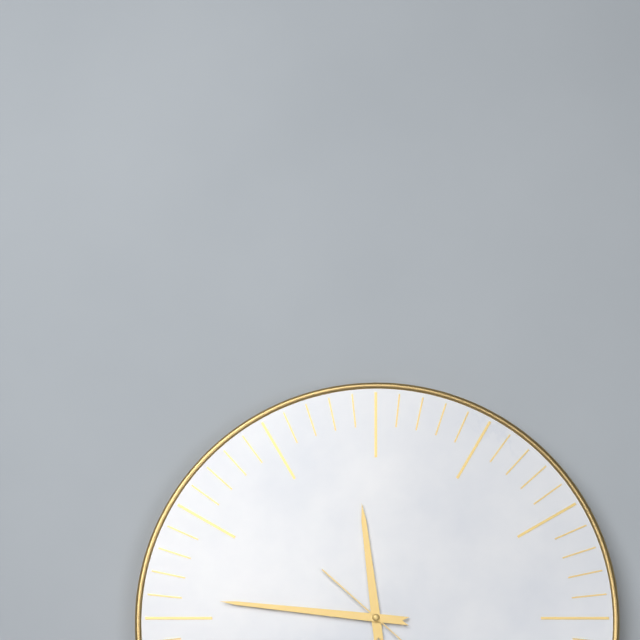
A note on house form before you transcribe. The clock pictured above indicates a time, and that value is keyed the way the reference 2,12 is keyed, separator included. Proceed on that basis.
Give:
11,46
